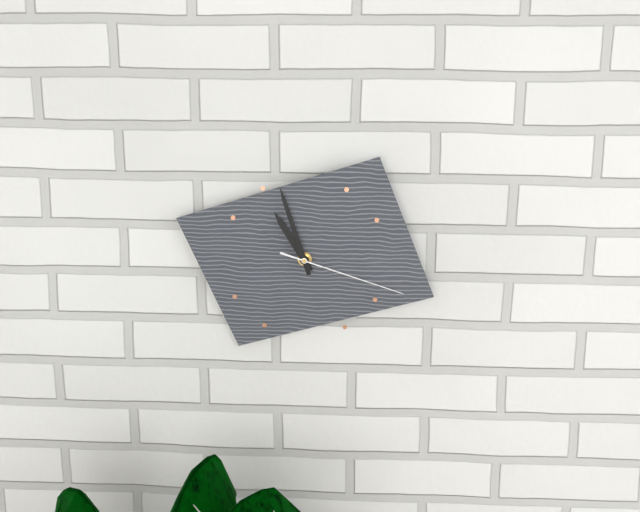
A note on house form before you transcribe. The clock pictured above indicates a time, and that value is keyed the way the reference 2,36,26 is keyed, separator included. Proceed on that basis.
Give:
10,57,18
